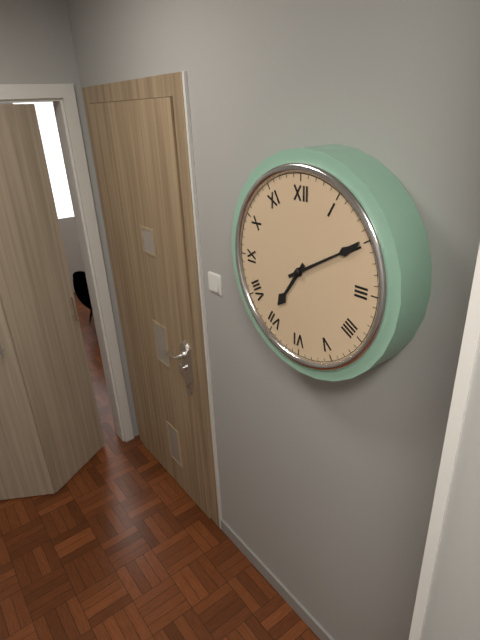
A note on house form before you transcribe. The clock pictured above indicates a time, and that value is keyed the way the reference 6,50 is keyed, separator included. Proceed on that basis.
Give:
7,10
